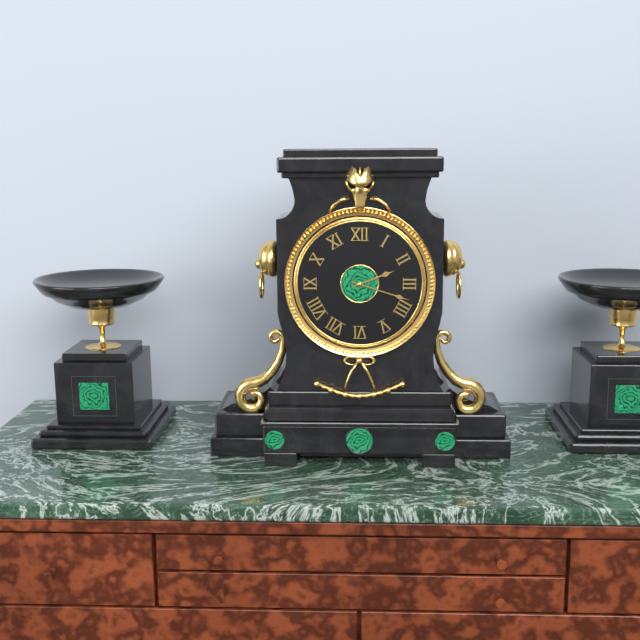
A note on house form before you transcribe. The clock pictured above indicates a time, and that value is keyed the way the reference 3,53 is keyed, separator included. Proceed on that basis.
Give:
2,18
